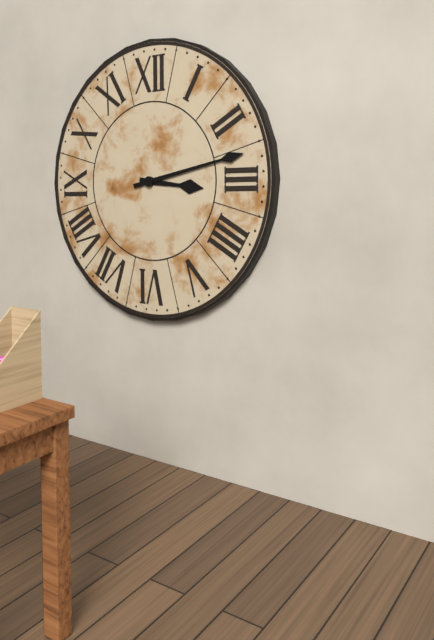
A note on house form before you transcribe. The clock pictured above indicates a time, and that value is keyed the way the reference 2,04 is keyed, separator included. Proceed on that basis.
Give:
3,13
